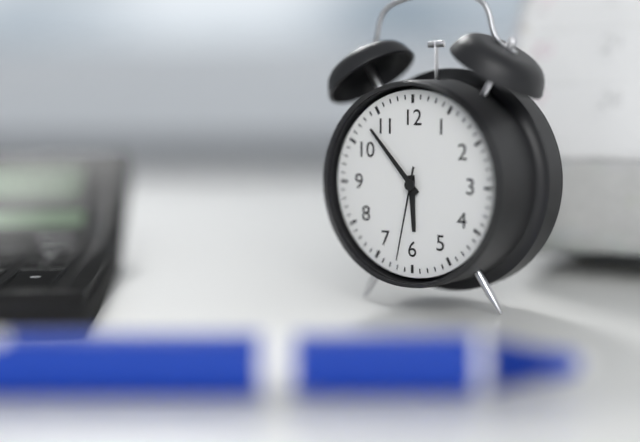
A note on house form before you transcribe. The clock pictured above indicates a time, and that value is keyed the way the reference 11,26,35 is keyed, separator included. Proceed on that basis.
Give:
5,53,32
